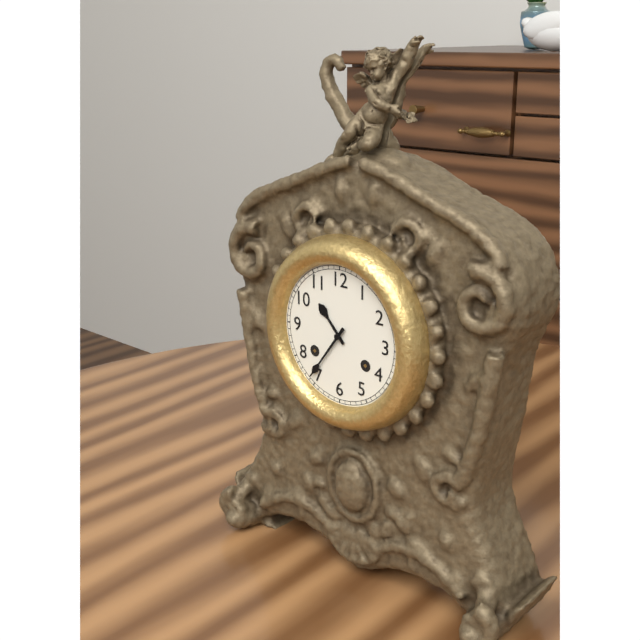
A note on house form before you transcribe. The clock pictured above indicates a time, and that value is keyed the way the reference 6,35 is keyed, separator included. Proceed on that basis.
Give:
10,36
